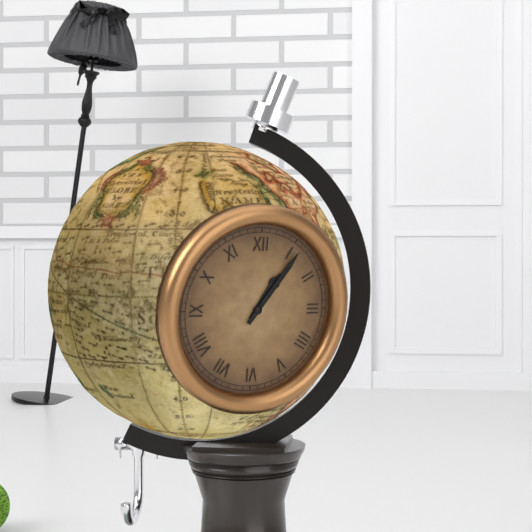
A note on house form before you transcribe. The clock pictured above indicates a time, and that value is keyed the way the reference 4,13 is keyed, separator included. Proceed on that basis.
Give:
1,06
